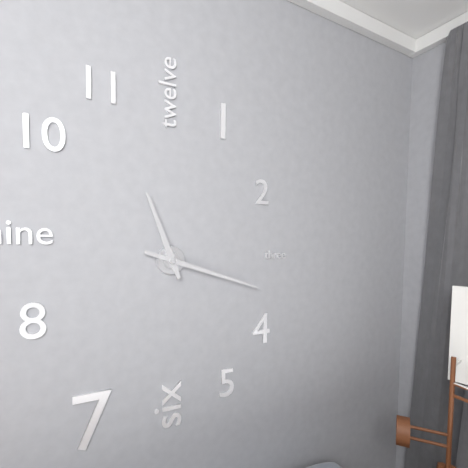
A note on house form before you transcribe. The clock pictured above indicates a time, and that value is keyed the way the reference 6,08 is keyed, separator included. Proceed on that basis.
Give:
11,18
